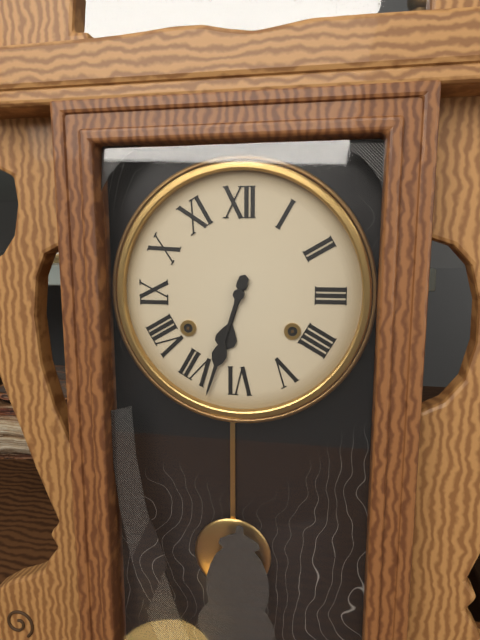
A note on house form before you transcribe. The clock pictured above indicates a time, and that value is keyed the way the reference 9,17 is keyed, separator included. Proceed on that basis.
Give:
6,33
